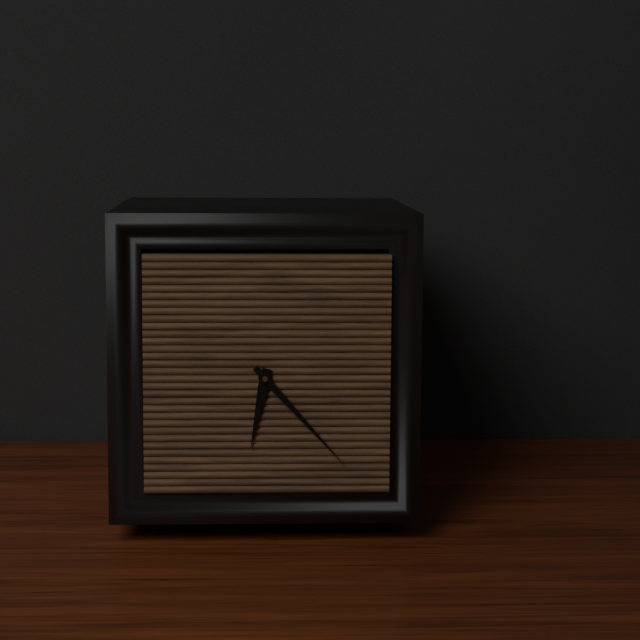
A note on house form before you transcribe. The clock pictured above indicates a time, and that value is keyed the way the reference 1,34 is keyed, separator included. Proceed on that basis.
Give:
6,23
